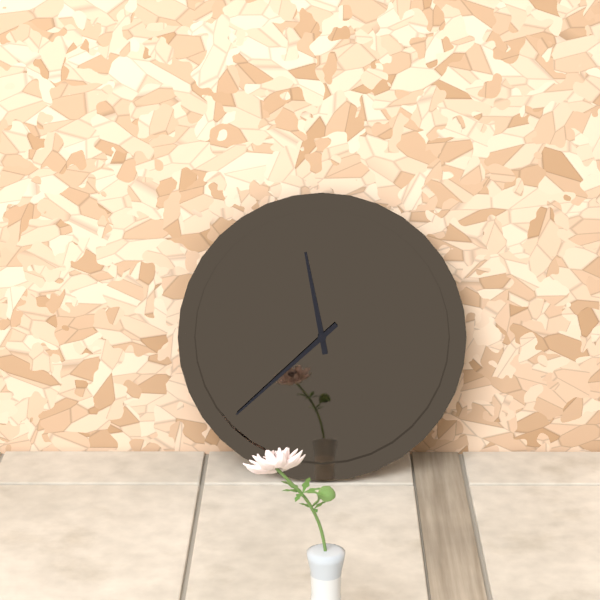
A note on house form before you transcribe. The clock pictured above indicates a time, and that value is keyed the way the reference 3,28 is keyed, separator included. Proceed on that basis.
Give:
11,38
